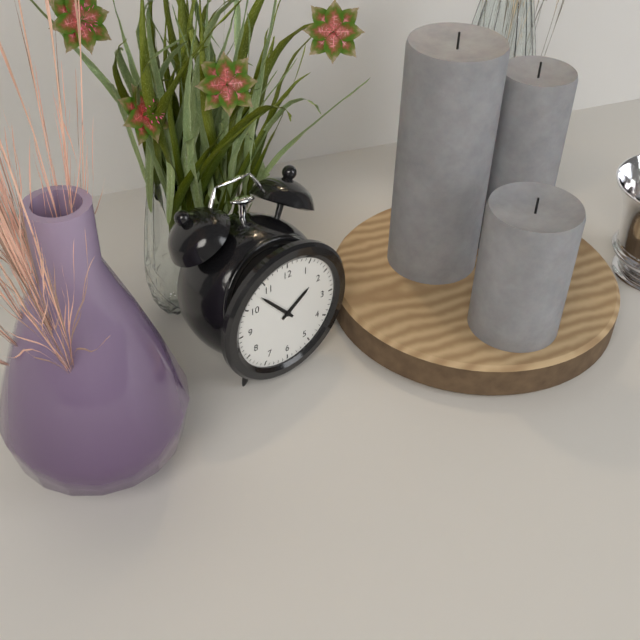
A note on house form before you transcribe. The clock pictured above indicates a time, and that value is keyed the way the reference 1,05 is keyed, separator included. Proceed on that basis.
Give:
1,53
